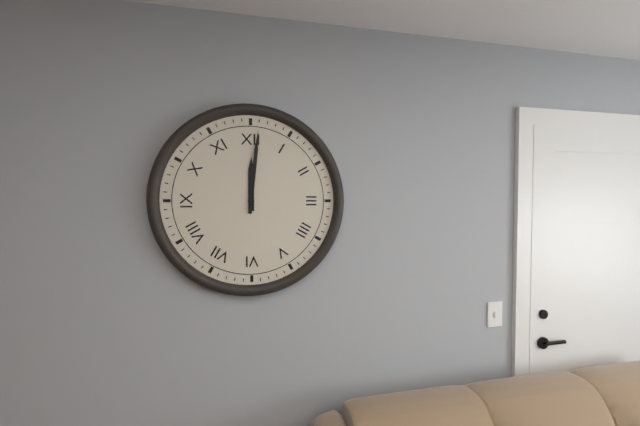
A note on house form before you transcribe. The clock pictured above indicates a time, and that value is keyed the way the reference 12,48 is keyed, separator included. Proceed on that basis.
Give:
12,01
